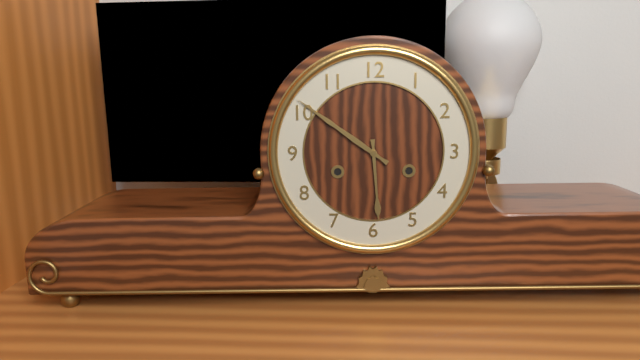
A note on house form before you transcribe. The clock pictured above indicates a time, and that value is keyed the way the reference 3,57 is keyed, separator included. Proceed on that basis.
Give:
5,51
